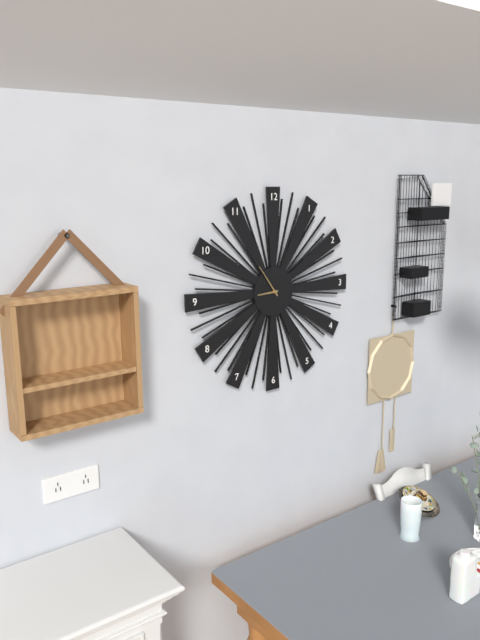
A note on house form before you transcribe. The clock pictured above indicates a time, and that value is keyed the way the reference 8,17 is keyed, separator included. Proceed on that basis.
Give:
8,54
